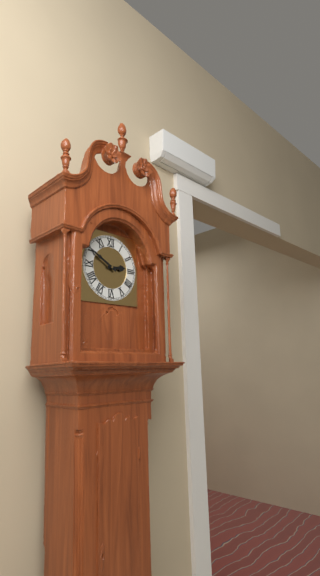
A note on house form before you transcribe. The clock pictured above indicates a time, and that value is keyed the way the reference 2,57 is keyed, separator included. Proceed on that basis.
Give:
2,50
